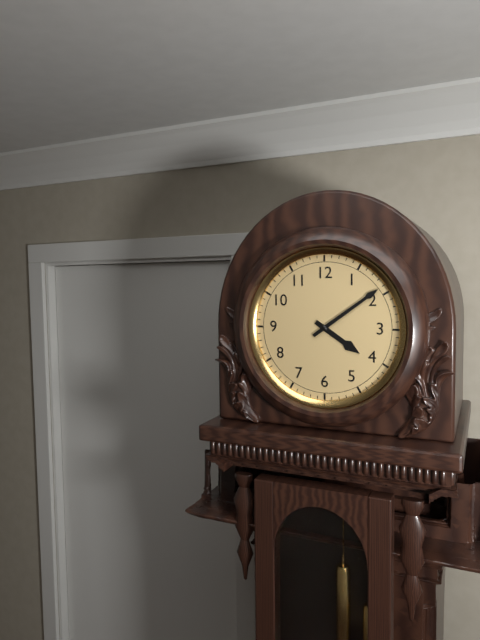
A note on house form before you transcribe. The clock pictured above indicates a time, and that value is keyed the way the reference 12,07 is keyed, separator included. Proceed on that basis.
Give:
4,09
